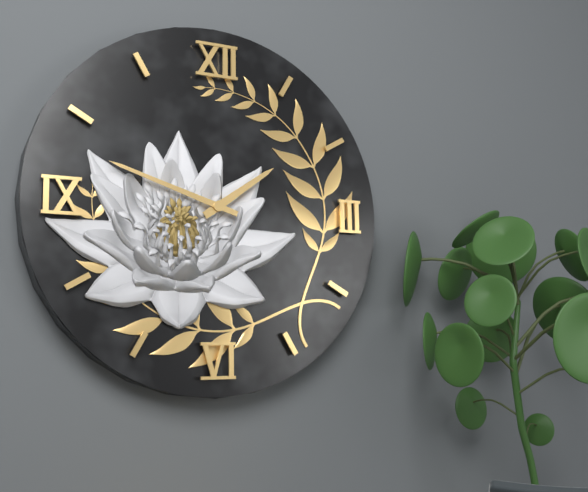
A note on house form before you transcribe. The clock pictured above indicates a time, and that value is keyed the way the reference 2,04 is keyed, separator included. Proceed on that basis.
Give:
1,48
